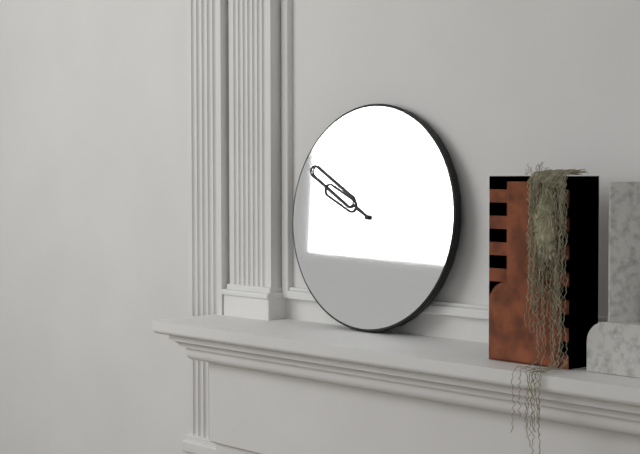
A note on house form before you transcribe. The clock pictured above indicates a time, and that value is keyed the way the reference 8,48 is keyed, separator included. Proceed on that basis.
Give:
9,50
